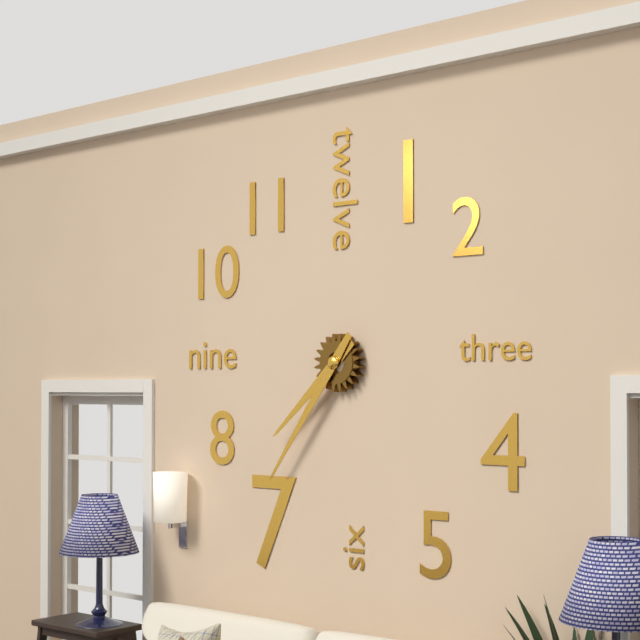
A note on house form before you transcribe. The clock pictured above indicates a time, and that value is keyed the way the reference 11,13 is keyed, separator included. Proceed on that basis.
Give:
7,36
